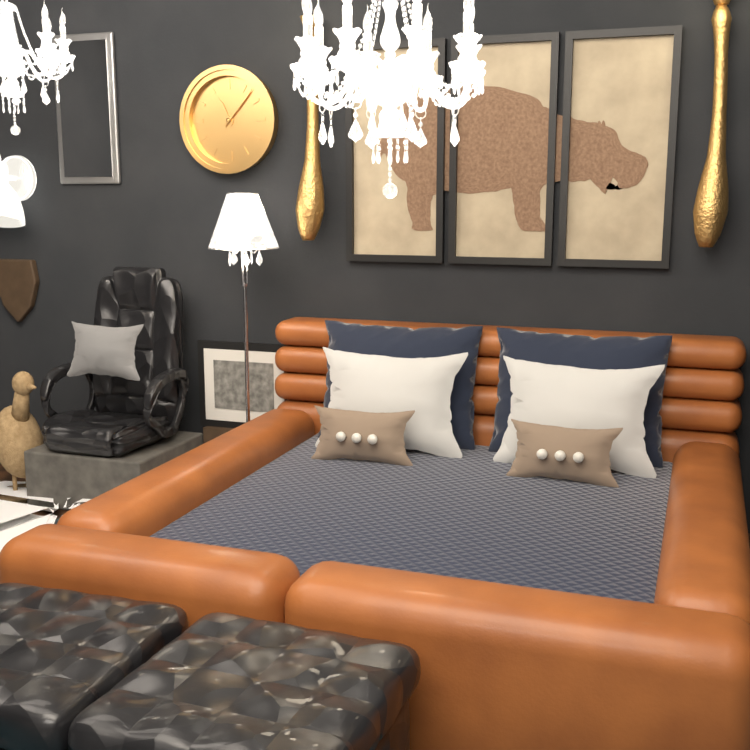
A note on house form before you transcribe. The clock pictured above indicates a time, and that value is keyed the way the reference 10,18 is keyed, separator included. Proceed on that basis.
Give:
11,07
